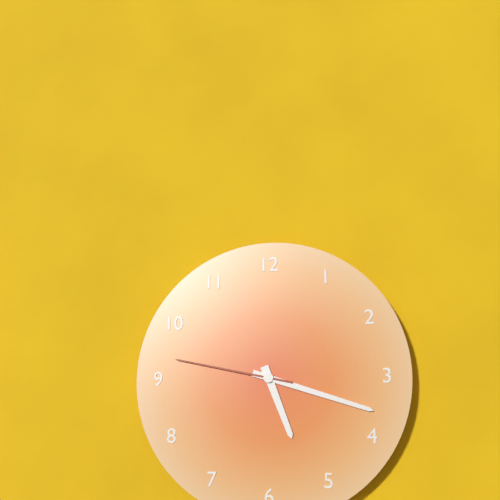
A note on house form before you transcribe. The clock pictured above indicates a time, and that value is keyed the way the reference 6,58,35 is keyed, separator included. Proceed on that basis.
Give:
5,18,47
